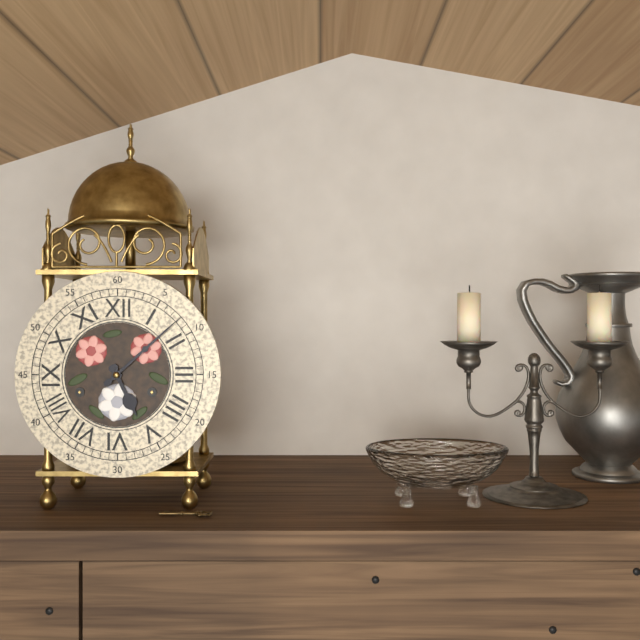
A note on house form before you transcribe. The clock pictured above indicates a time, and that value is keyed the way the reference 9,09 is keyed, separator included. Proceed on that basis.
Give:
5,08
